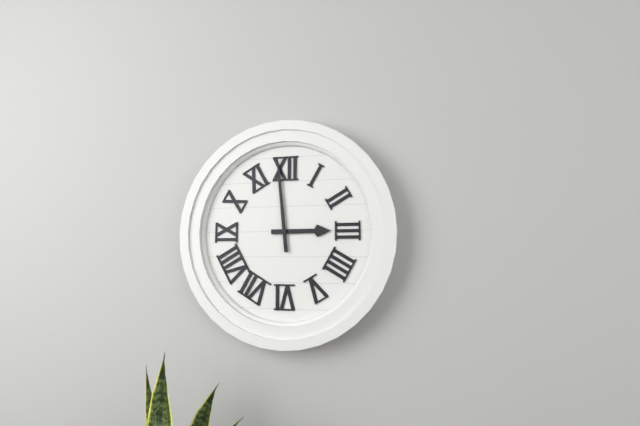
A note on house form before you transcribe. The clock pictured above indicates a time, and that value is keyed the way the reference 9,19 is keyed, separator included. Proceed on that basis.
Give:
2,59
